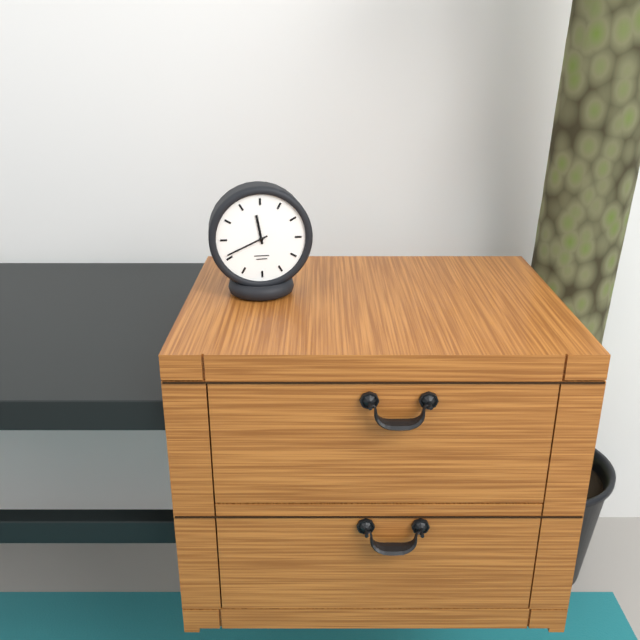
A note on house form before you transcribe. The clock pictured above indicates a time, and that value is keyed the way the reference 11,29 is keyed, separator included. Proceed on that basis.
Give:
11,41
